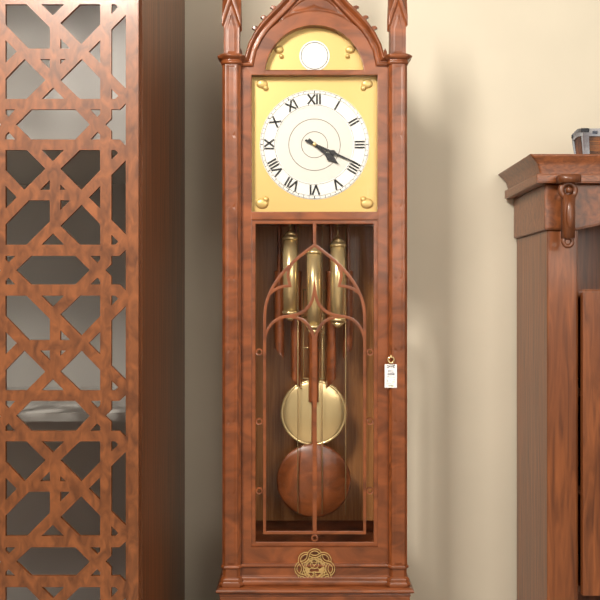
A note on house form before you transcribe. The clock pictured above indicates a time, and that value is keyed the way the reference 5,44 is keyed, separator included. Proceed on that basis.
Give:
4,19
